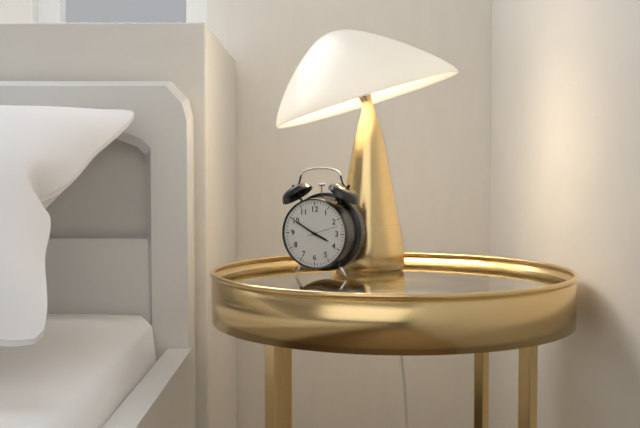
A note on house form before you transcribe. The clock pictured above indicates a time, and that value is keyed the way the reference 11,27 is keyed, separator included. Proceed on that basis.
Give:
3,50
